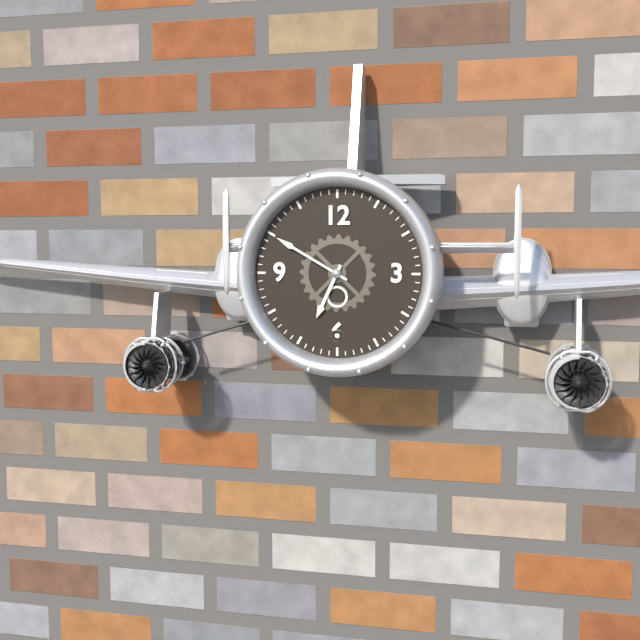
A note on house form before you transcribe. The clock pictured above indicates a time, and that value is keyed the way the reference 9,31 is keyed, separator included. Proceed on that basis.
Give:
6,50
